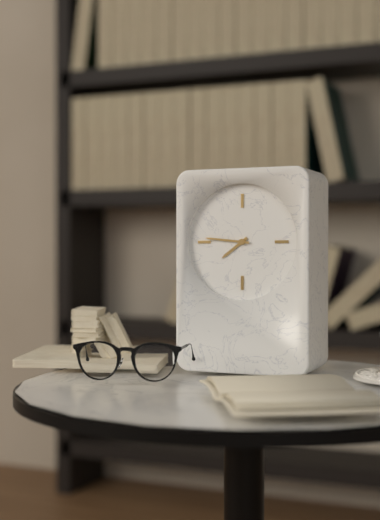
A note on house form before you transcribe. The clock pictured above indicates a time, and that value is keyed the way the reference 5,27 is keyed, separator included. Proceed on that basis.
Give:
7,46
